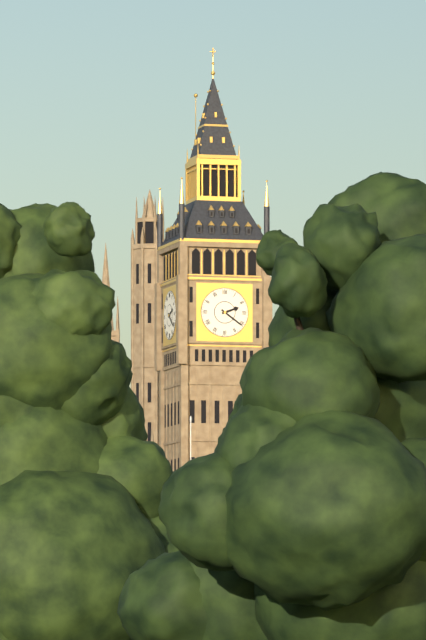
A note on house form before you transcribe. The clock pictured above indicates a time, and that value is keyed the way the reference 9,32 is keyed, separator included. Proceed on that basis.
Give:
2,21
